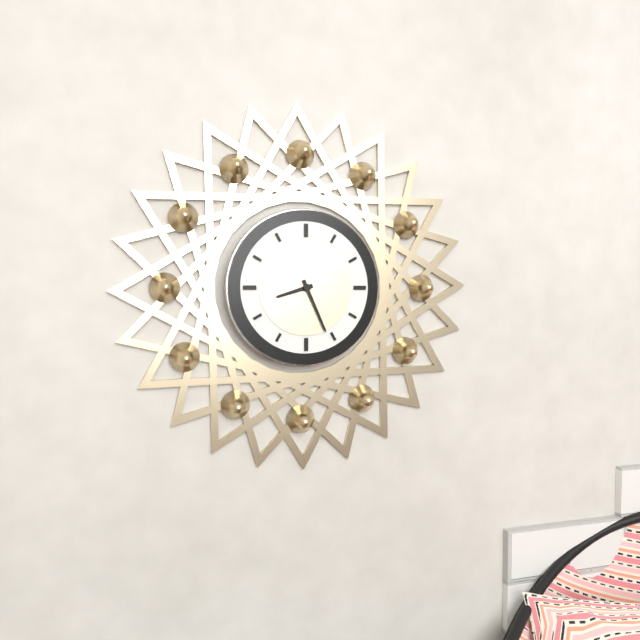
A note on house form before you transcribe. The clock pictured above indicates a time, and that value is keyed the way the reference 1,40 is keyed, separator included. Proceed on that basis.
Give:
8,26
